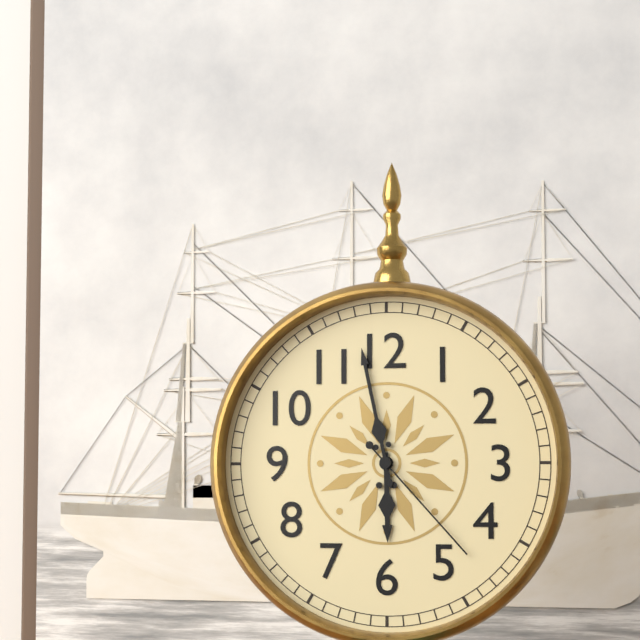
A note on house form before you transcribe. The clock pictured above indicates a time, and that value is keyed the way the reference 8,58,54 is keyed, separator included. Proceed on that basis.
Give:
5,58,23
